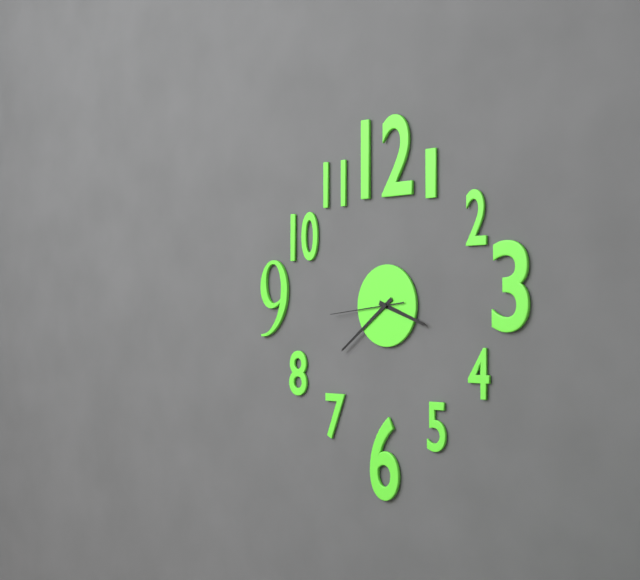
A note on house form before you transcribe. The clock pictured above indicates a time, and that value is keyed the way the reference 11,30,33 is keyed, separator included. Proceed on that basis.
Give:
3,39,44
